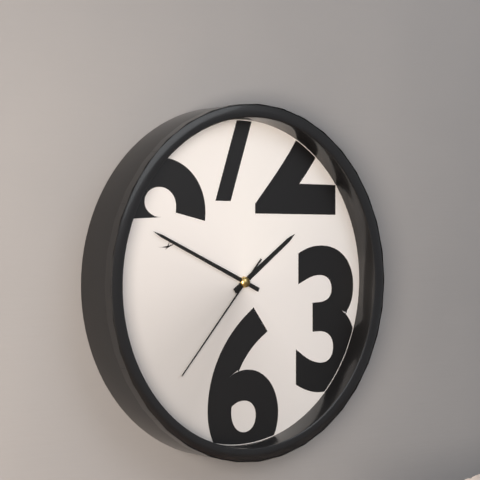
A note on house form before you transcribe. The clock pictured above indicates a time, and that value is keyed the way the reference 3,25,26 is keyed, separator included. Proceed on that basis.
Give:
1,49,37
